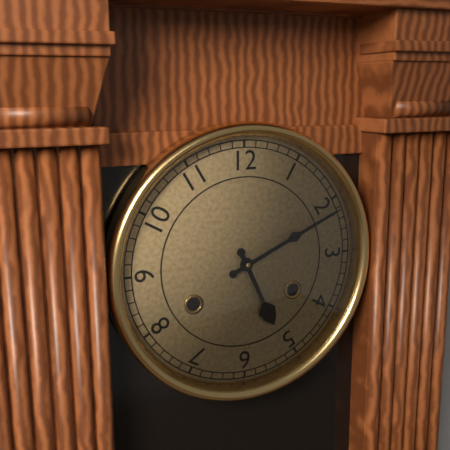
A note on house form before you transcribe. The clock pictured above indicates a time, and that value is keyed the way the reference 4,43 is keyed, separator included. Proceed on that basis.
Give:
5,11
